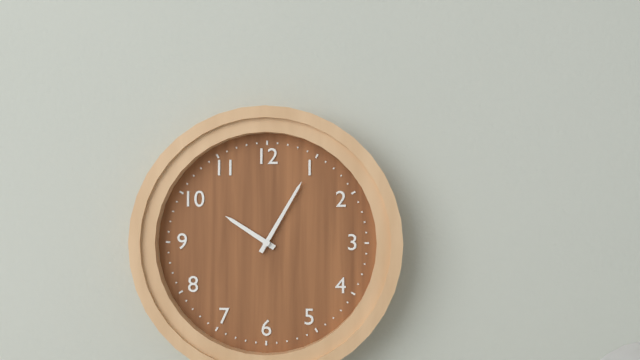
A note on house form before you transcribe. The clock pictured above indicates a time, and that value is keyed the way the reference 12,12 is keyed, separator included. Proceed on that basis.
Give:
10,05
